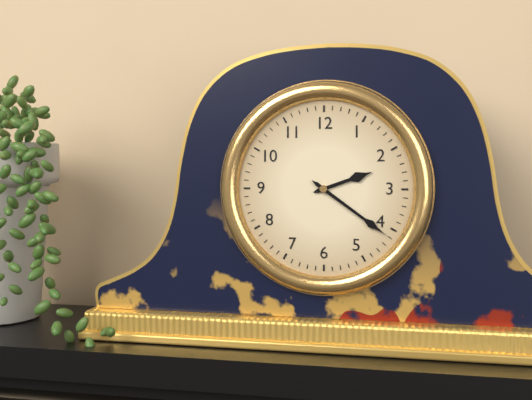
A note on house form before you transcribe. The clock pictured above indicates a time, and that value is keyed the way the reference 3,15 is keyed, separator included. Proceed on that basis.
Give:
2,21
